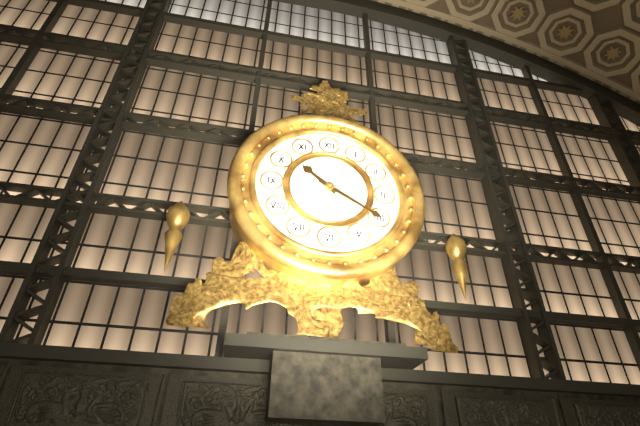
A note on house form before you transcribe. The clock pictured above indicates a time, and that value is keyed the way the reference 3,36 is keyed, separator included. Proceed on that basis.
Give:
10,20
